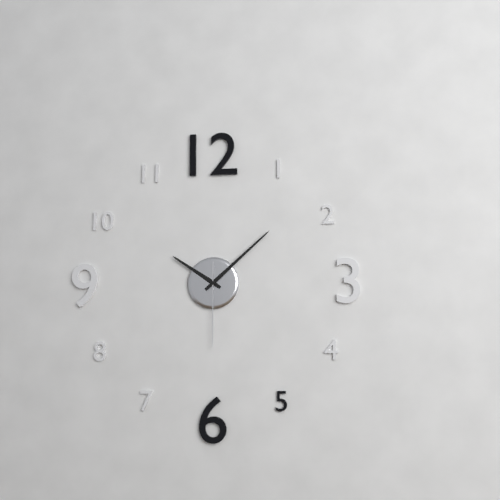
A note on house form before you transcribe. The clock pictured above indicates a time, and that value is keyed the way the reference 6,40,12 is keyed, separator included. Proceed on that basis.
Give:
10,08,30
